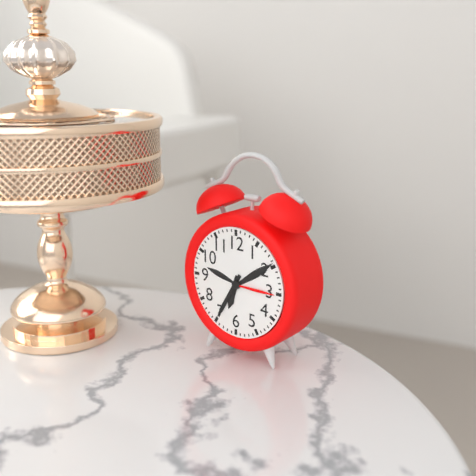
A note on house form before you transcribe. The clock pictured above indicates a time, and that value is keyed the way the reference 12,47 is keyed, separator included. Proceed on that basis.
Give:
6,35
